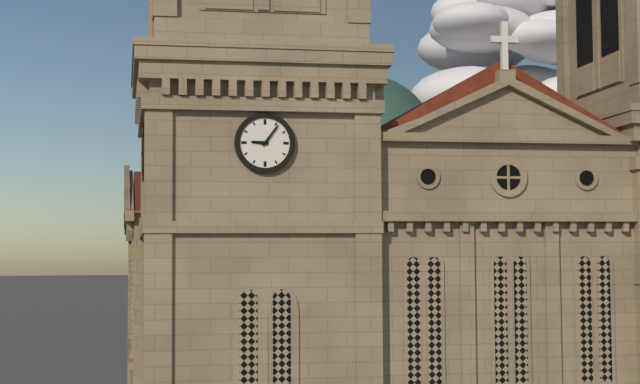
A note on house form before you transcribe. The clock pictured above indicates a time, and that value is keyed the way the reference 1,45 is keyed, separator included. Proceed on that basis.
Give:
9,06
